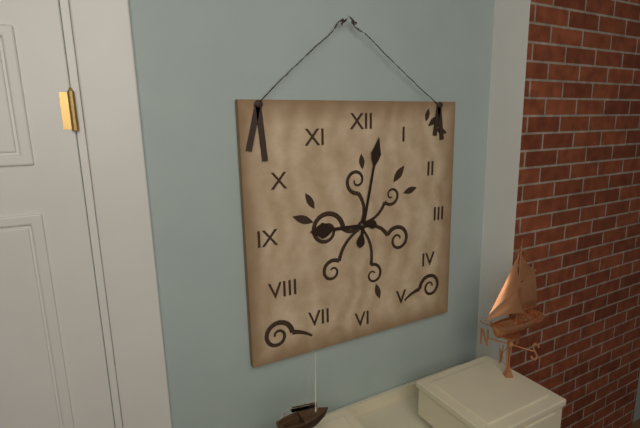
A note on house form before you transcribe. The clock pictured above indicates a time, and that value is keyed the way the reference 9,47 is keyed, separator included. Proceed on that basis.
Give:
9,02
